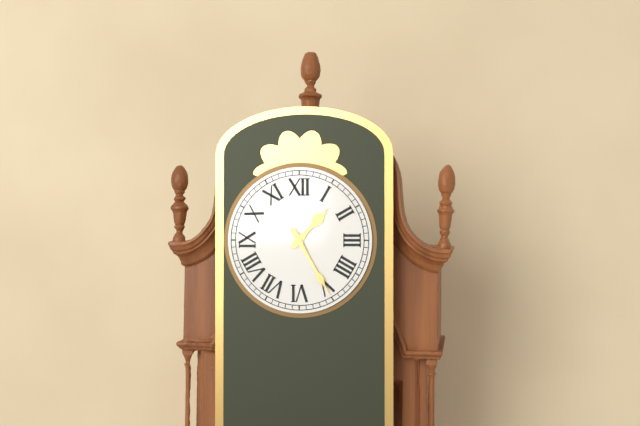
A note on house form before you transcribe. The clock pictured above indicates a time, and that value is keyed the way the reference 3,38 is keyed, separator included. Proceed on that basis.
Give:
1,25
